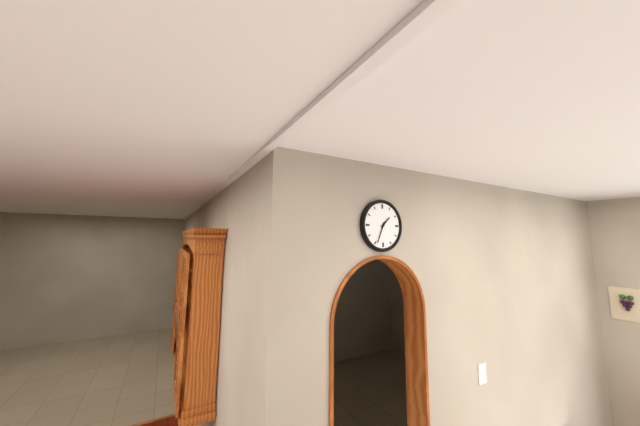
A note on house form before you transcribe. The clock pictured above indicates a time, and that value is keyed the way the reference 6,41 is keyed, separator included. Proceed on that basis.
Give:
1,34
